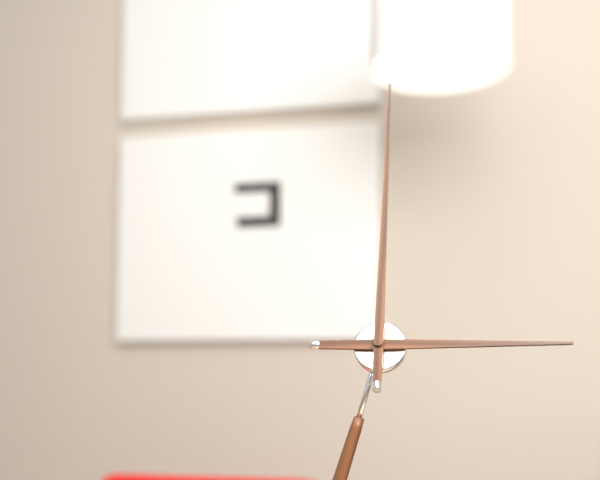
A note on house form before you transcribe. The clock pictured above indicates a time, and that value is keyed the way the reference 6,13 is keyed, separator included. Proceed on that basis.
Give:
3,00
